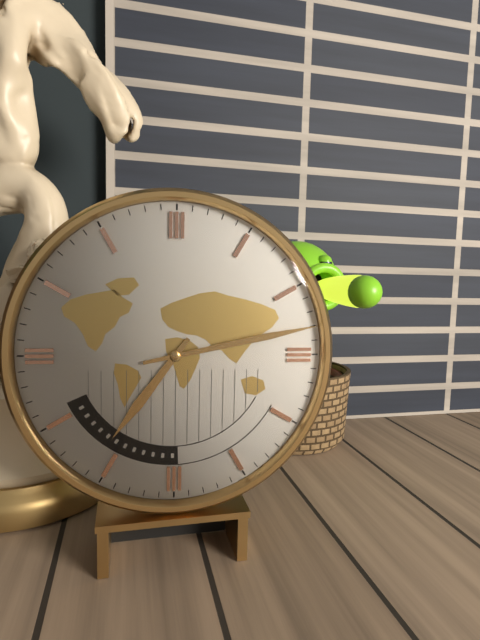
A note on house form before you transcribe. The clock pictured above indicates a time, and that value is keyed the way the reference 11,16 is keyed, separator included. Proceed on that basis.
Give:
7,13
